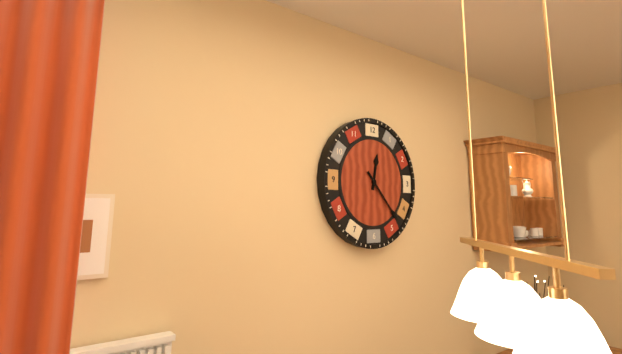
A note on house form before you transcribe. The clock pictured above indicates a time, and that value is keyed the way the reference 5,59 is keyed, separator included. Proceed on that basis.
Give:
12,23
